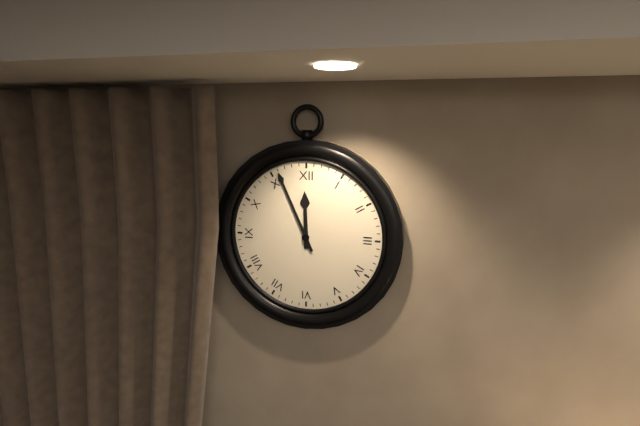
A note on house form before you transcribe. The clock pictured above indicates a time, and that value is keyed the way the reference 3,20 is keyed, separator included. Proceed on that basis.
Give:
11,56
